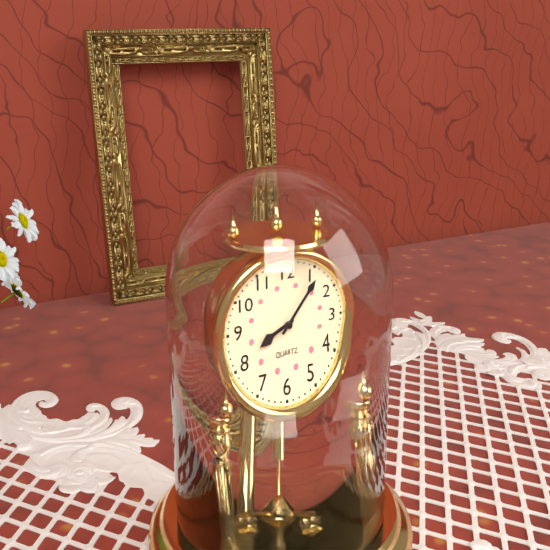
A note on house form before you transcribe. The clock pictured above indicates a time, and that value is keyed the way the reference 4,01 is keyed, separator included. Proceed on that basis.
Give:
8,06
